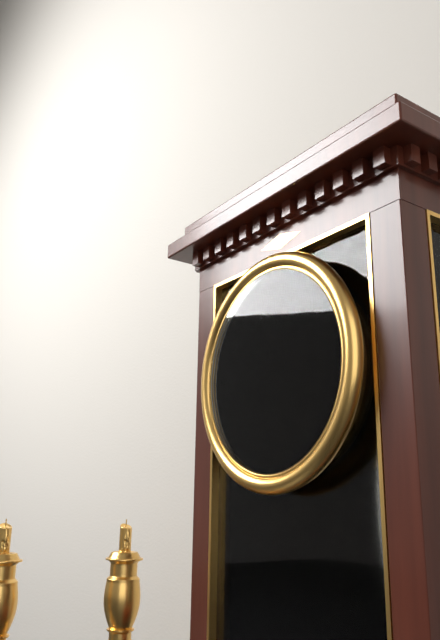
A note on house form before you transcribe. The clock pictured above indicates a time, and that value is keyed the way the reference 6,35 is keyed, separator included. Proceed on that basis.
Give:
2,21
